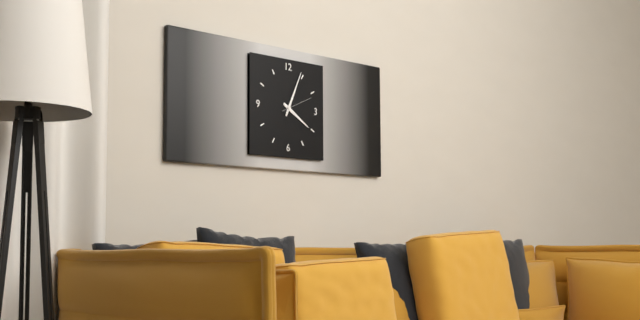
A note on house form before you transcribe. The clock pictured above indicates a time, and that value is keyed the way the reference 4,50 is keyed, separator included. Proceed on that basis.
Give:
4,04
